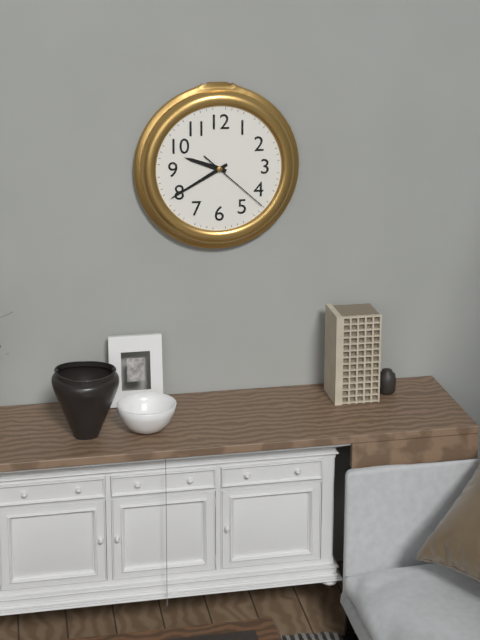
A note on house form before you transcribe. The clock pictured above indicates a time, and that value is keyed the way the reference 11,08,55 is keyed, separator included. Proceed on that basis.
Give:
9,40,22
